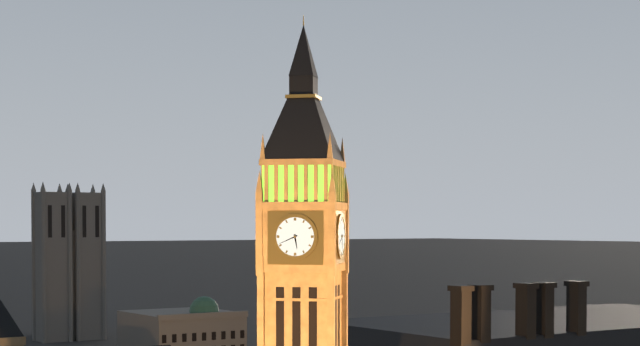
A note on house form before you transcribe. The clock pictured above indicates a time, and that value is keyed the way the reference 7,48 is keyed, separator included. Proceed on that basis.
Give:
5,41
